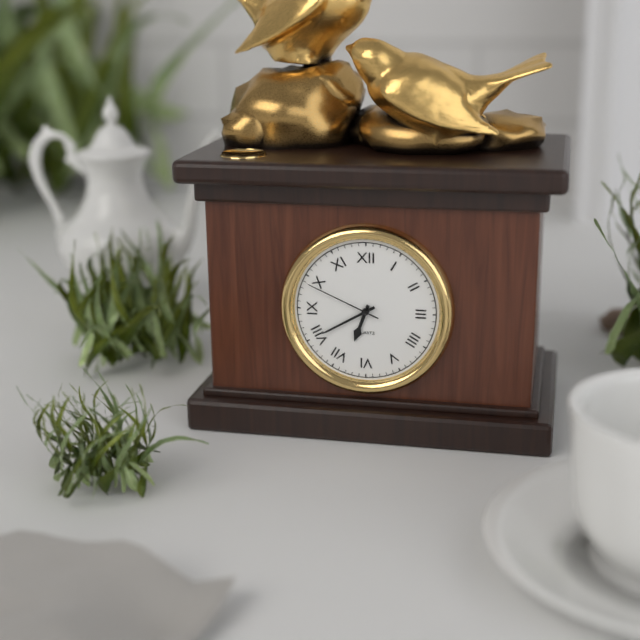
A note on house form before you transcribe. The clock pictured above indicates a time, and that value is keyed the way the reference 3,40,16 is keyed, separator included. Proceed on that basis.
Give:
6,40,49
